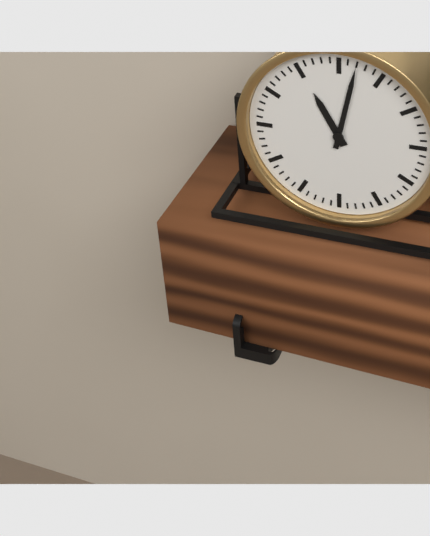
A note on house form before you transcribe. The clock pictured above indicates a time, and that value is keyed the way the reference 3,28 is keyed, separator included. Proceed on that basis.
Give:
11,02
